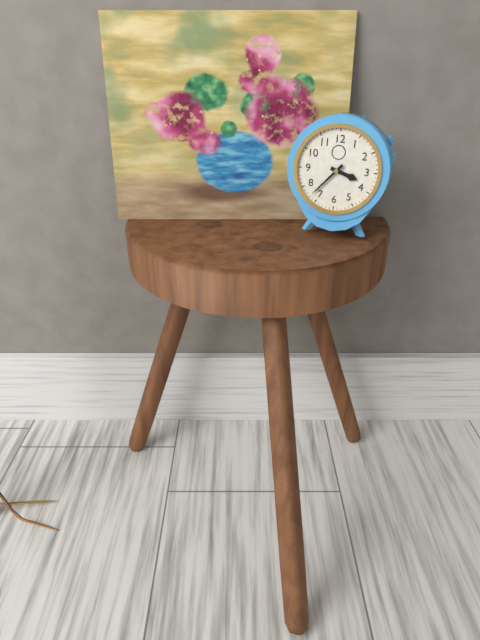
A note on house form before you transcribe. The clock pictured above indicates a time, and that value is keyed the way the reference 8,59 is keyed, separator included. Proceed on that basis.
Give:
3,37
